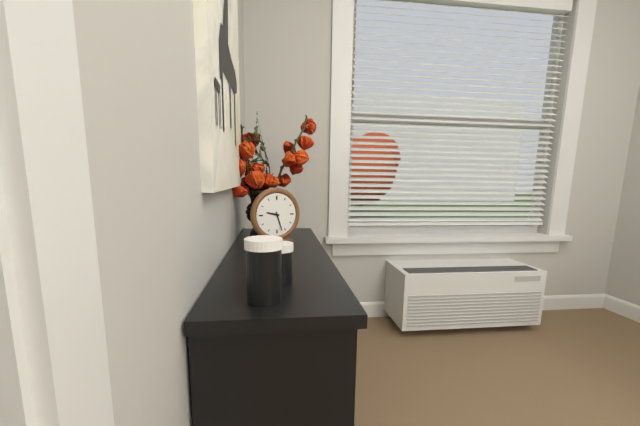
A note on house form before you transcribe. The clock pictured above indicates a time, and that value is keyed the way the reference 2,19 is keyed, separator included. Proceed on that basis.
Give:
9,27
